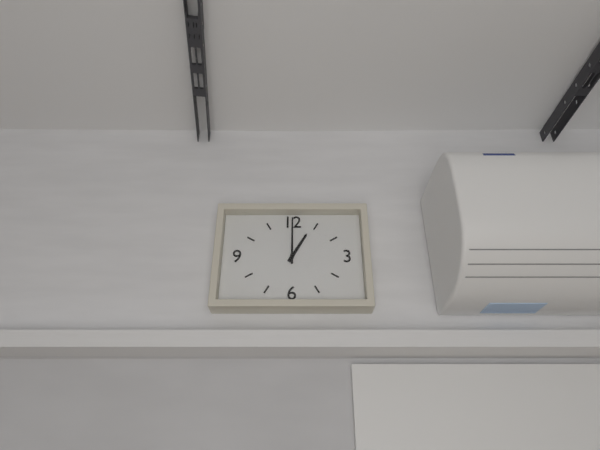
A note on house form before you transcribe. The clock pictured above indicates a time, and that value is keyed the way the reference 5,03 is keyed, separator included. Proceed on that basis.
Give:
1,00
